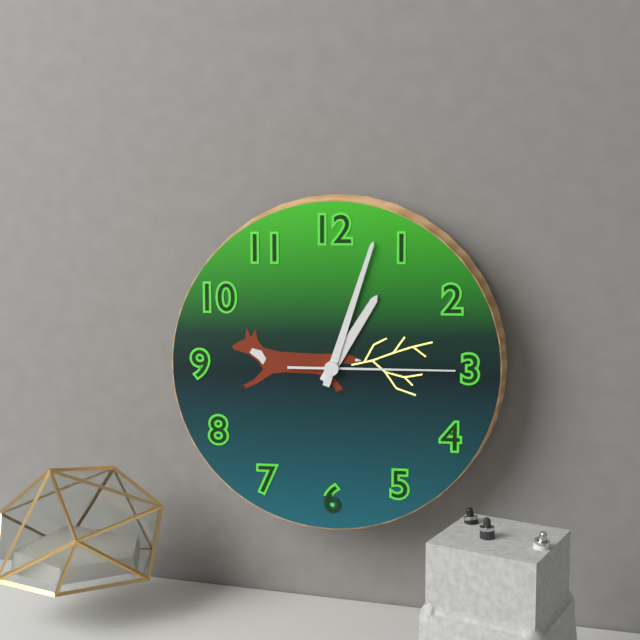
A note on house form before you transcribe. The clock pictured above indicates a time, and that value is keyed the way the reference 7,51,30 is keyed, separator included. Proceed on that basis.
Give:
1,03,15
